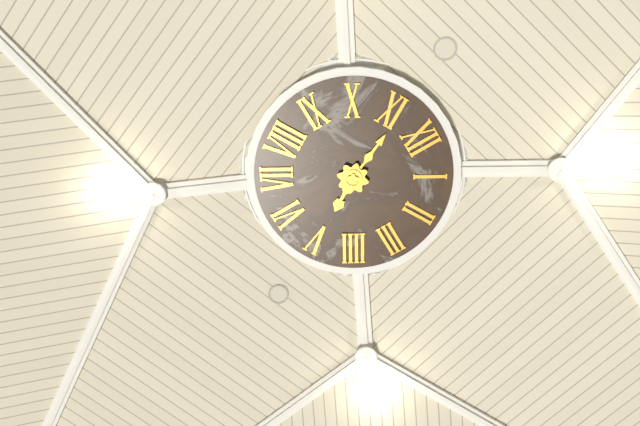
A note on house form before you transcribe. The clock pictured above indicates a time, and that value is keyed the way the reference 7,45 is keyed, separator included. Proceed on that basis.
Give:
4,56
